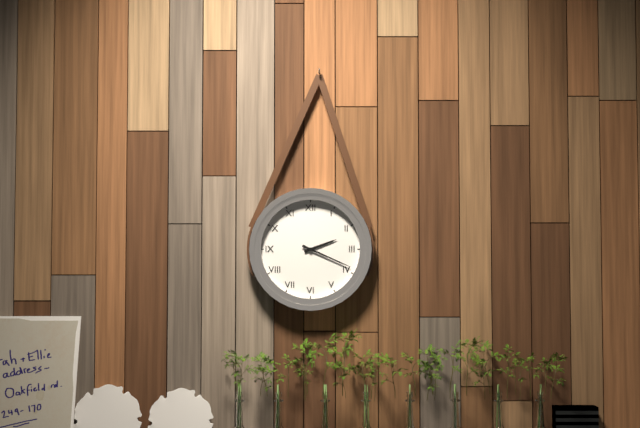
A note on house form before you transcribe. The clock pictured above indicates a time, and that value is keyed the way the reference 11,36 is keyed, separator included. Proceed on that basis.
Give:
2,19
